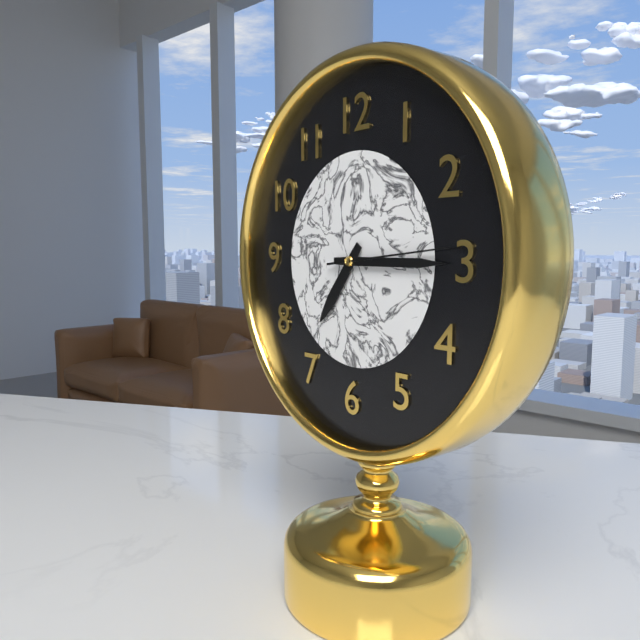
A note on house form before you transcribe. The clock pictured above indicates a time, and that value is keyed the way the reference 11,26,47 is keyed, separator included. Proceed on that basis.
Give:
7,15,14
